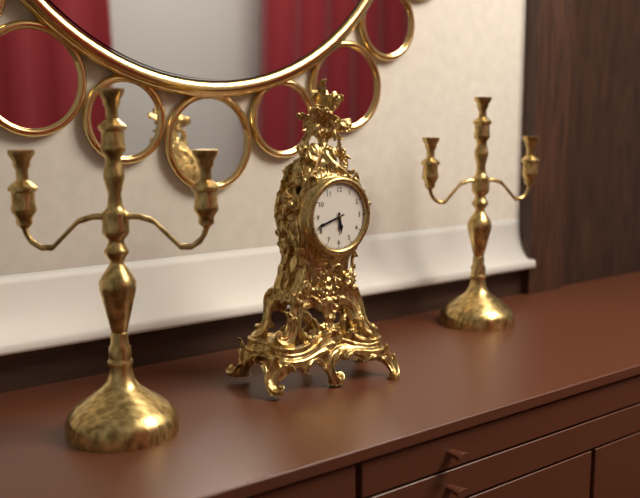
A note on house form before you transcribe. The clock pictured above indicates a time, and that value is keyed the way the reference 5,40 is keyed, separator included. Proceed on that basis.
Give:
5,42
